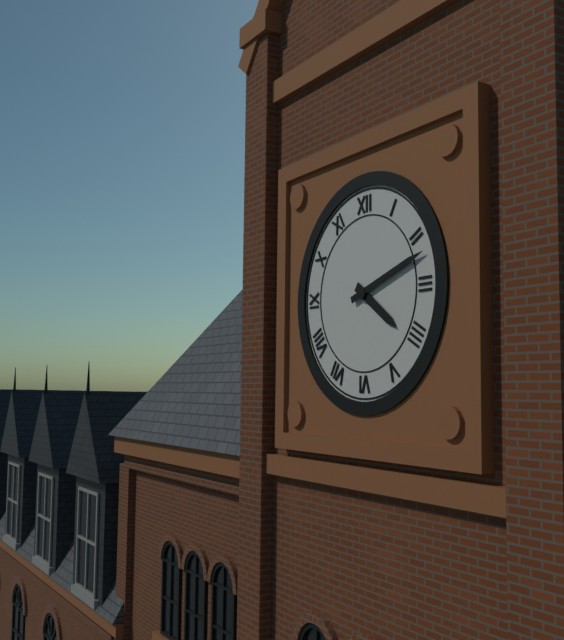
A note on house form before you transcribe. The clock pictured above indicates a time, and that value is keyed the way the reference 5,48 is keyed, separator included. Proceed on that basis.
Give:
4,12
